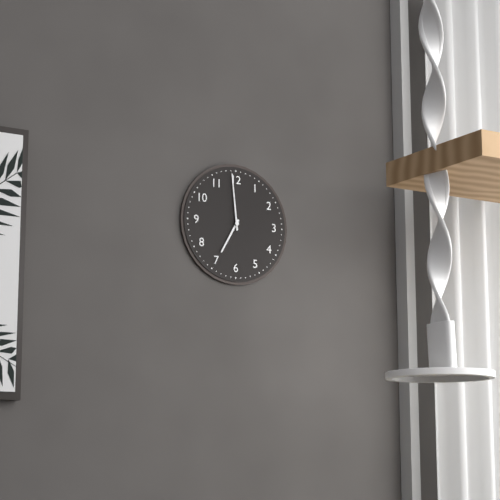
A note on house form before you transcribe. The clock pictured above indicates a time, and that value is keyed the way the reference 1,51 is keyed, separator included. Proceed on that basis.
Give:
6,59
